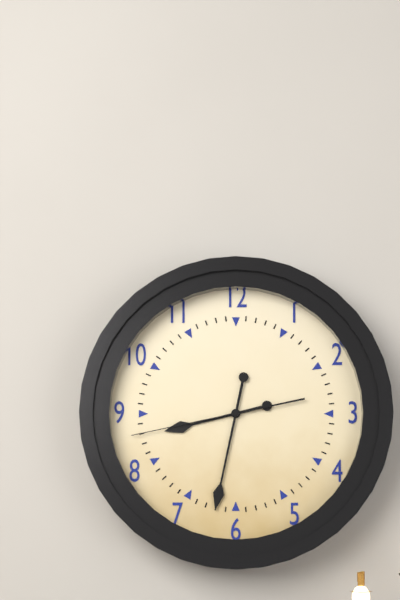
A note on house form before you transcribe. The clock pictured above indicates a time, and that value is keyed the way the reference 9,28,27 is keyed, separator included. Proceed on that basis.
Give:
8,32,43
